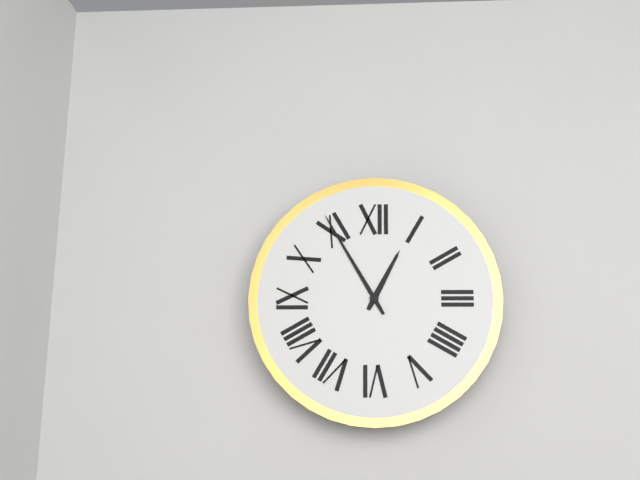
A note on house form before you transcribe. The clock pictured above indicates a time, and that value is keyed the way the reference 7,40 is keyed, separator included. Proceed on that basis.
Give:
12,55
